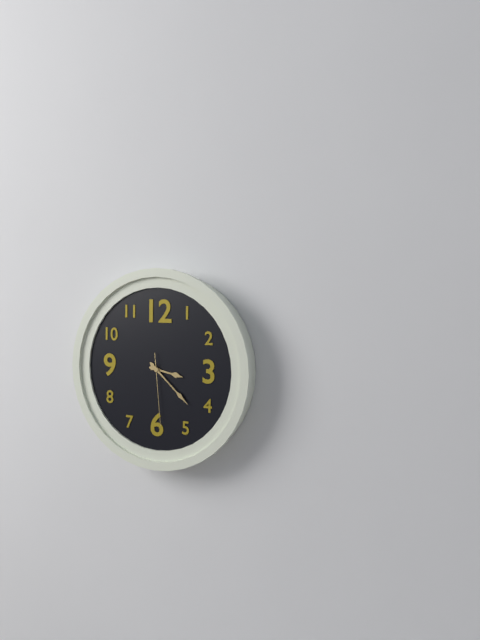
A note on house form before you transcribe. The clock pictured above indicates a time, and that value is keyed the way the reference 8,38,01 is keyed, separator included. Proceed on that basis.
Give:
3,22,29
